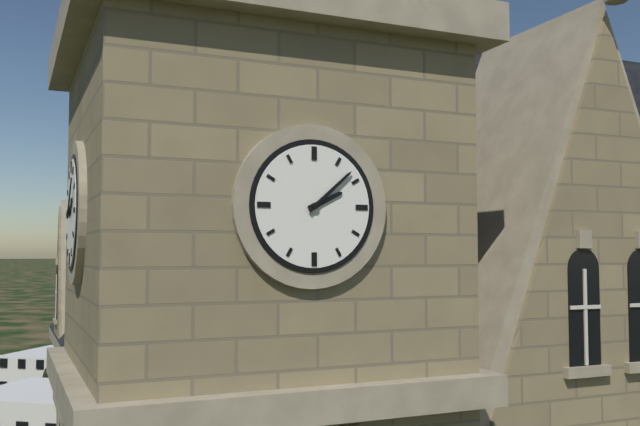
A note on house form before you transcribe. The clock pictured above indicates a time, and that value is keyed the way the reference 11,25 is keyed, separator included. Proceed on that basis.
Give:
2,08
